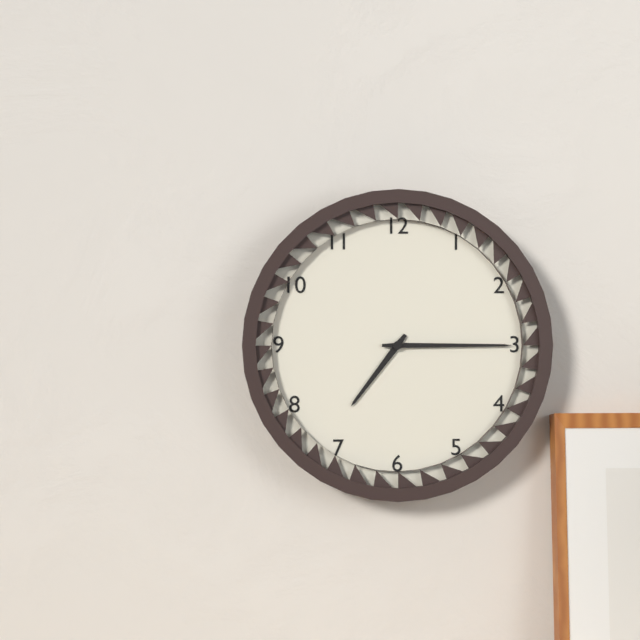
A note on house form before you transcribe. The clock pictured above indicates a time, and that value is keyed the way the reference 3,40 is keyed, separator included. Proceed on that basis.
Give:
7,15
